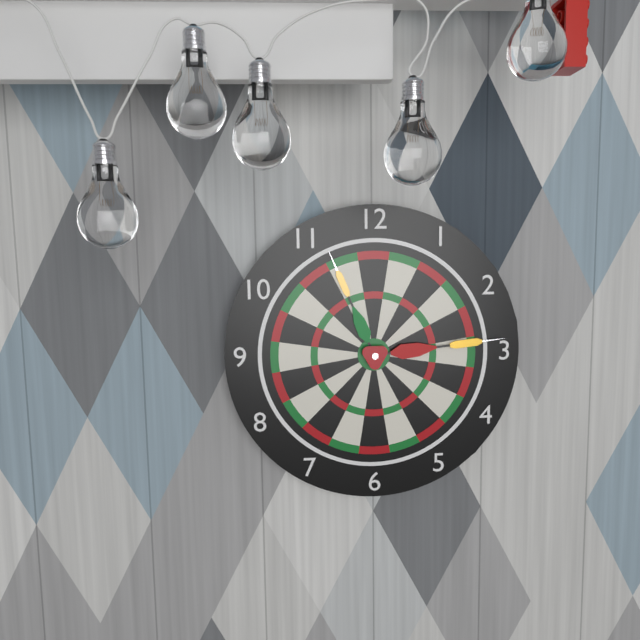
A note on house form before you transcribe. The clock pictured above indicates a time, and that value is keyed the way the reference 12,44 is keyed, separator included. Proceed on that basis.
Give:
11,14
